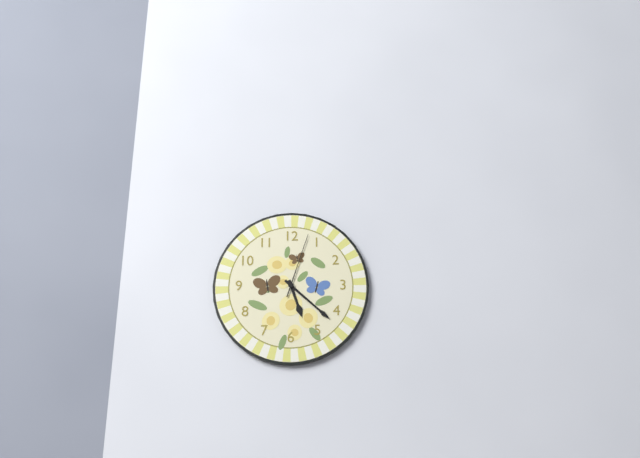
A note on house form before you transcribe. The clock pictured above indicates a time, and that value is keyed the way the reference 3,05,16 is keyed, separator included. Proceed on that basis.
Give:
5,22,03
